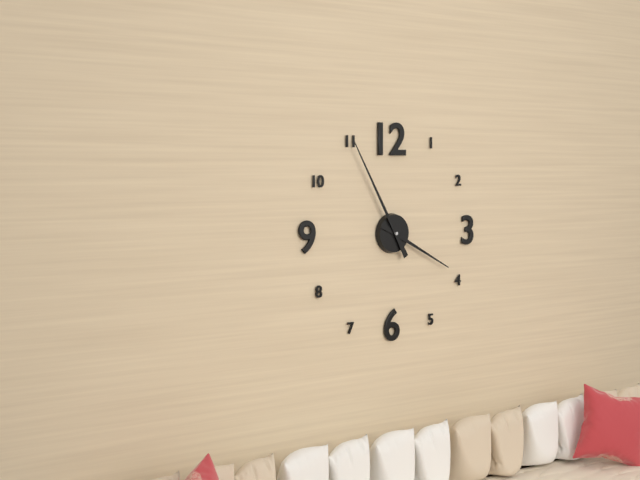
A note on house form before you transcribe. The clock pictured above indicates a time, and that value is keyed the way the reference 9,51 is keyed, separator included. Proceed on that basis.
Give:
3,55
